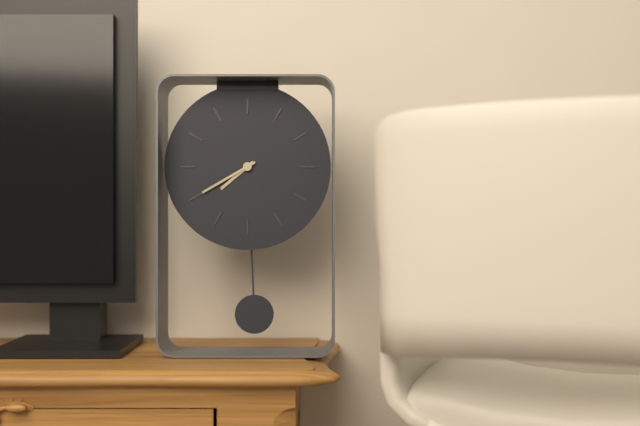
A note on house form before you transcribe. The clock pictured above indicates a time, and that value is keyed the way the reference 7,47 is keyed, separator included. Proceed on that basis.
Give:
7,40
